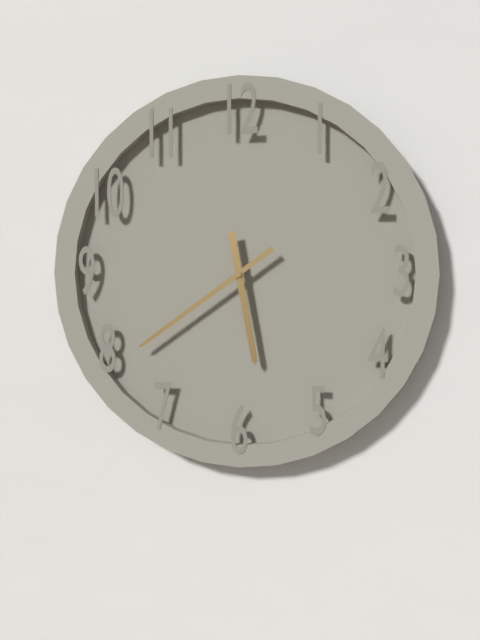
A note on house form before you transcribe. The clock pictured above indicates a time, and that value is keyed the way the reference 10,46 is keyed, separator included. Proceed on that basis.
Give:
5,39
